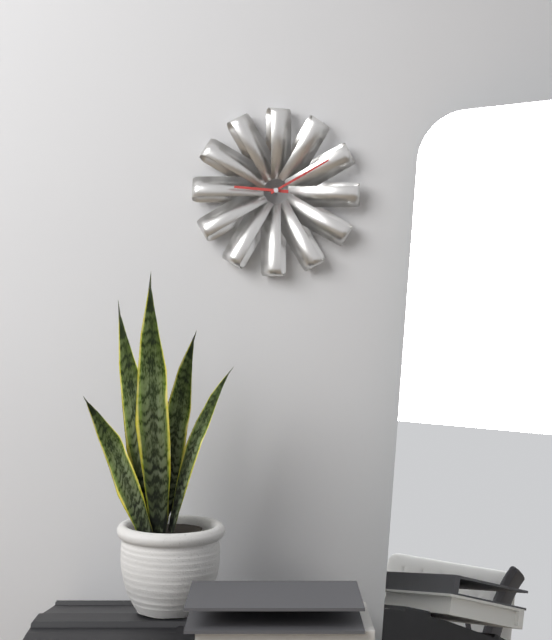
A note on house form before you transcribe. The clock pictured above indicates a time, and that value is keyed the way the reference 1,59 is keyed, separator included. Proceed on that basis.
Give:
9,10
